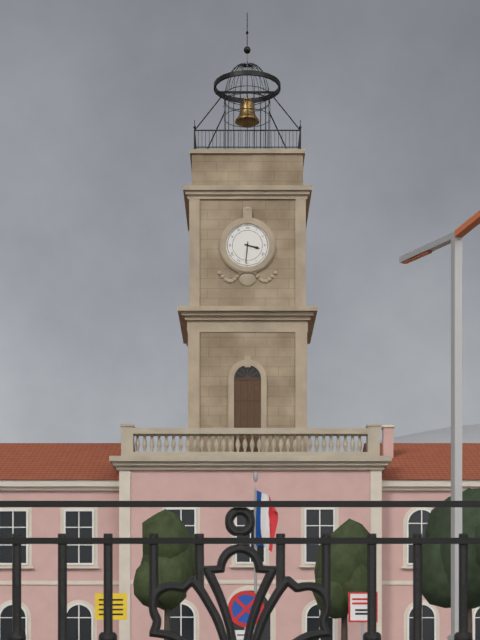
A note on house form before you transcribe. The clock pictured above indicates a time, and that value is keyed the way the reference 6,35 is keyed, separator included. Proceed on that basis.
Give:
3,31
